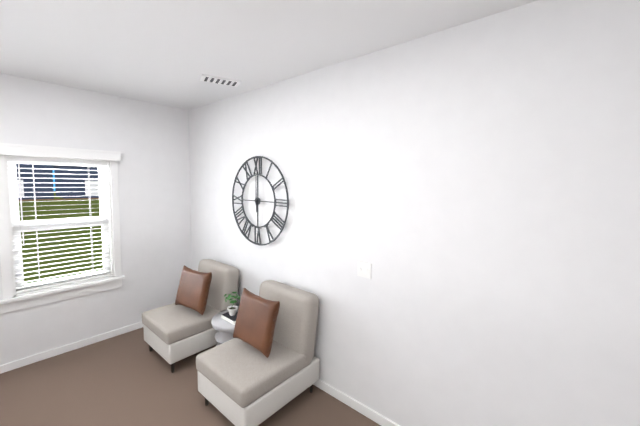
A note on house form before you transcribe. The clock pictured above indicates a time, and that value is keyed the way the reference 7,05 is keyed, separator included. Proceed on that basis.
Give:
6,00
